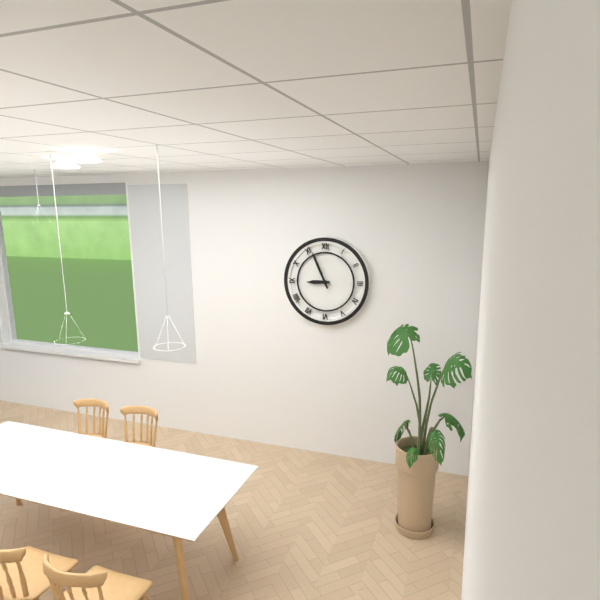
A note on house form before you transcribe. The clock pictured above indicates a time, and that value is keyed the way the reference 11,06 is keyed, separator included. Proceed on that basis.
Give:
8,56
